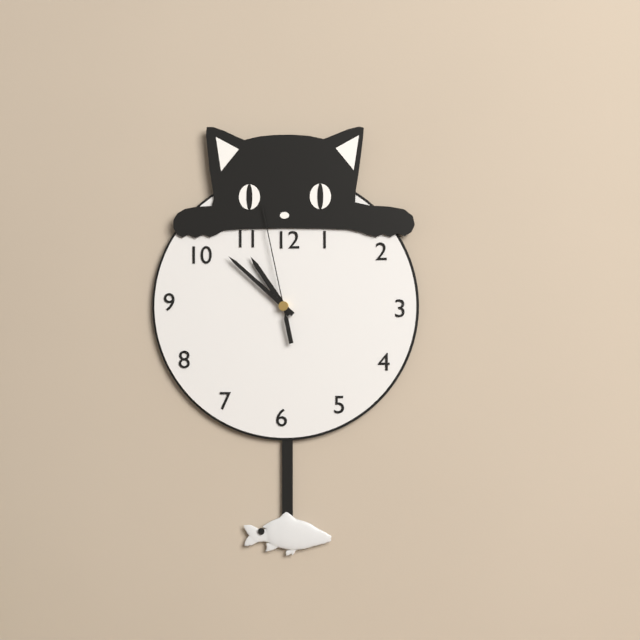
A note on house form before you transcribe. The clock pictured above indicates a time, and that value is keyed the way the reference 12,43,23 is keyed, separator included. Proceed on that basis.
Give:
10,52,58
